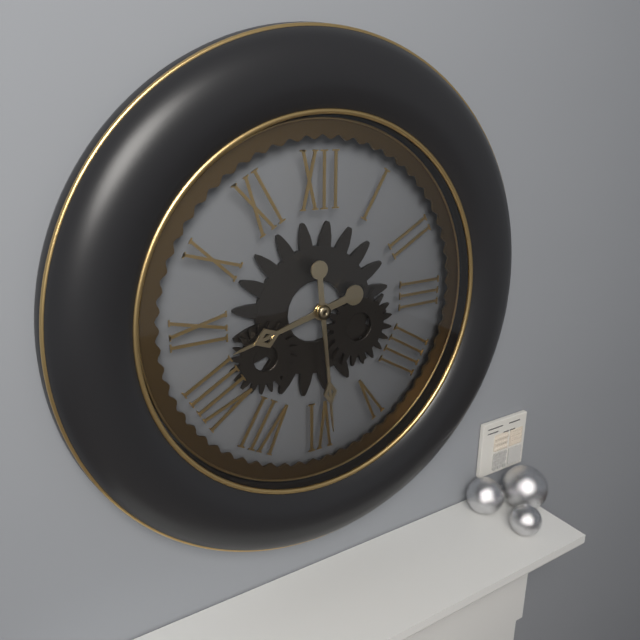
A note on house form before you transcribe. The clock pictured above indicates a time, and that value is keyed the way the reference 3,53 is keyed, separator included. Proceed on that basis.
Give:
8,29
